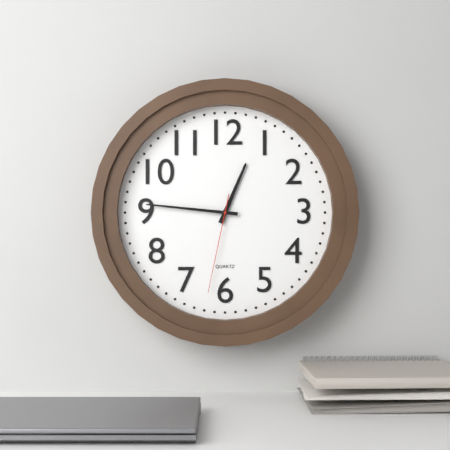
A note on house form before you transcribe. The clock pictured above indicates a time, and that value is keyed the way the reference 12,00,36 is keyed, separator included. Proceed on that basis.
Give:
12,46,32
